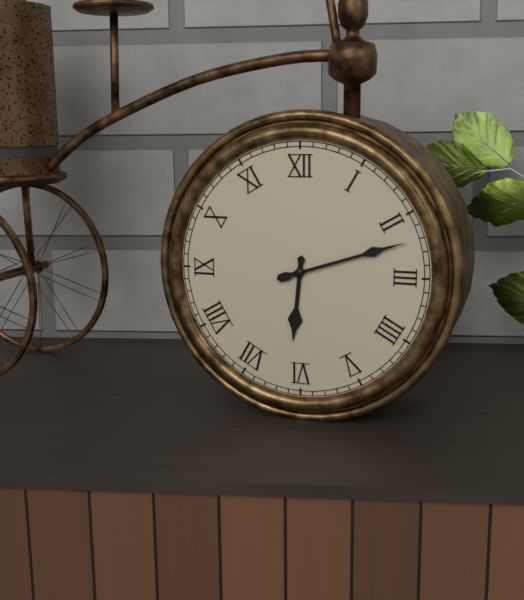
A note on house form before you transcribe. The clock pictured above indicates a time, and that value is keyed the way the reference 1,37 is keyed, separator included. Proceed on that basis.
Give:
6,12
